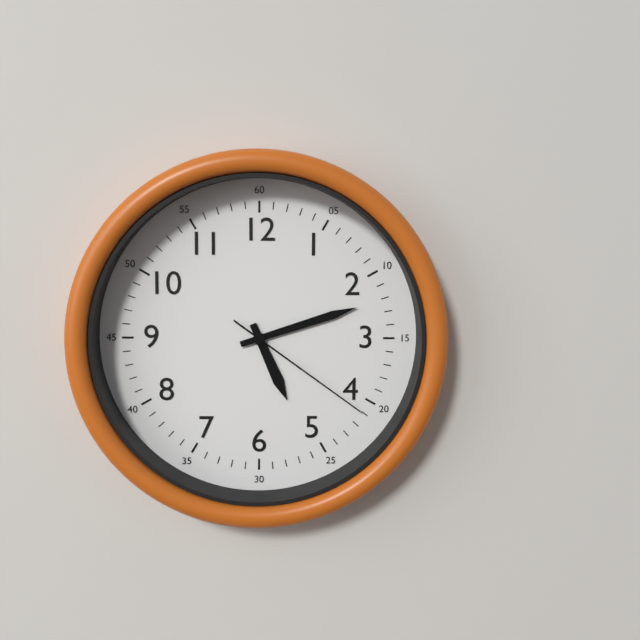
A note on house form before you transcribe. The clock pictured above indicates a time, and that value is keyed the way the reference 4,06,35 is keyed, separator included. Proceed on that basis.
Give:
5,12,21
